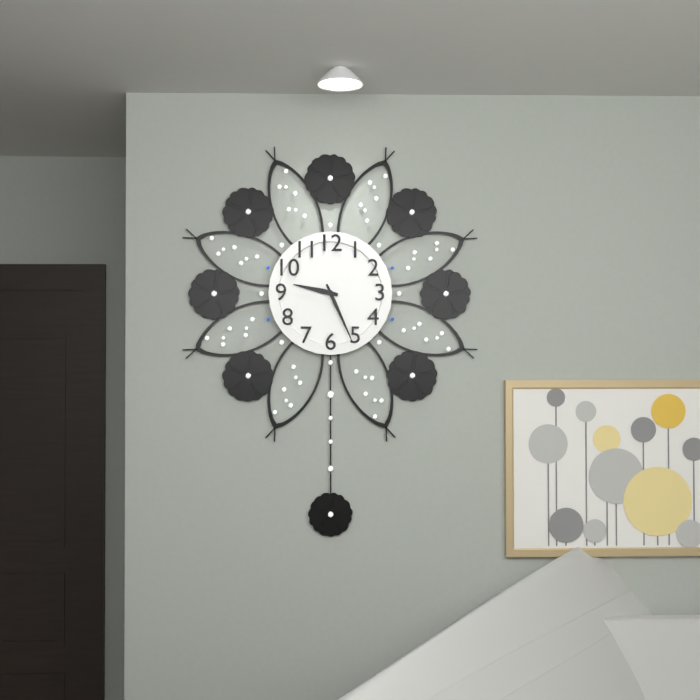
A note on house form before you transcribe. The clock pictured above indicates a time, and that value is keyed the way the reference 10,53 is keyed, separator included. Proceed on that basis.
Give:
9,26
